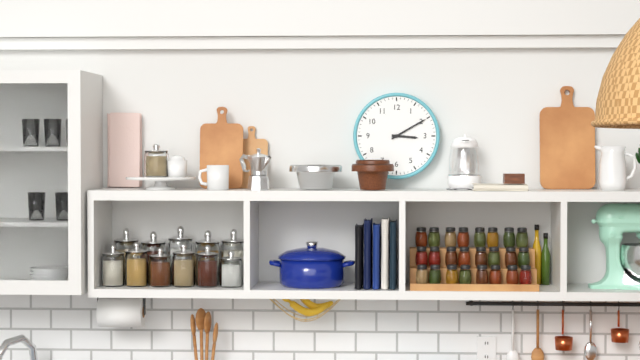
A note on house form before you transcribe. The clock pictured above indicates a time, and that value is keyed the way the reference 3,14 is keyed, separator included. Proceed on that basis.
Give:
3,10
